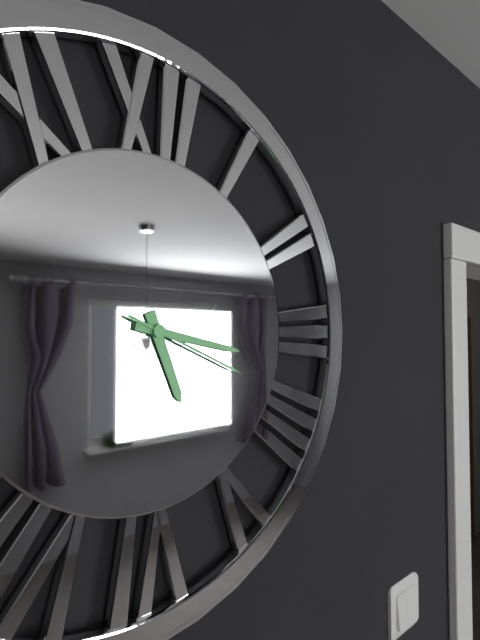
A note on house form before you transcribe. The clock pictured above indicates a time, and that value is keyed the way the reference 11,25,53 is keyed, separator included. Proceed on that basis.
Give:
5,17,19
